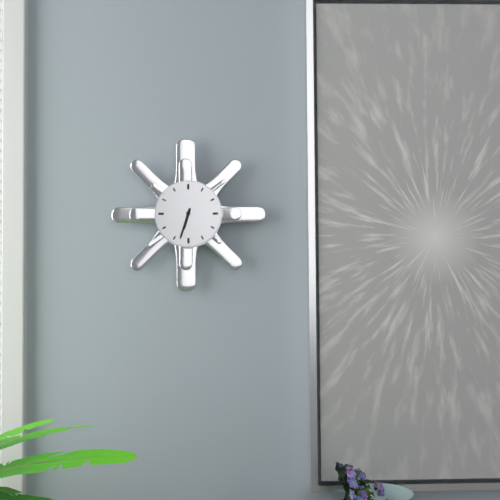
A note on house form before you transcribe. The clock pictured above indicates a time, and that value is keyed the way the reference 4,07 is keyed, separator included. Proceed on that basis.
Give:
6,33
